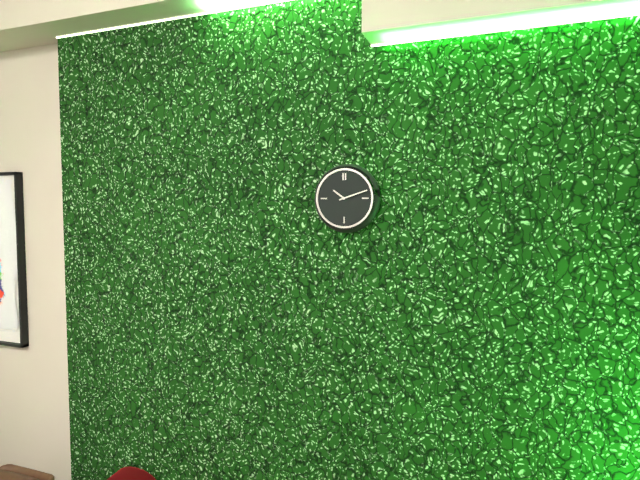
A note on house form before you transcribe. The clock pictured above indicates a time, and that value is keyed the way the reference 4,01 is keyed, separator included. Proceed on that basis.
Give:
10,12
